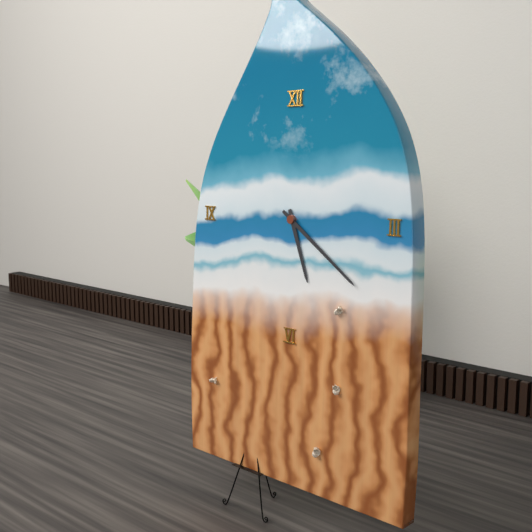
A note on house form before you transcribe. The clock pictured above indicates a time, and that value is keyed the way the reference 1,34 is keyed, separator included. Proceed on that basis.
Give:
5,21
